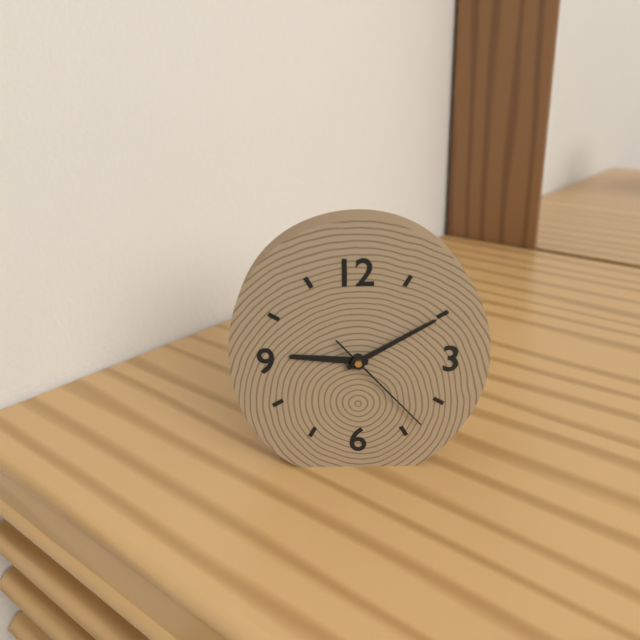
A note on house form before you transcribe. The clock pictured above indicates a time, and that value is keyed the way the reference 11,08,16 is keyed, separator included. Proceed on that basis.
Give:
9,10,23
